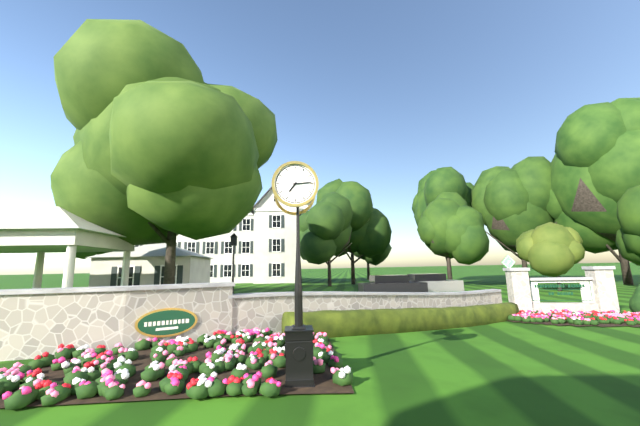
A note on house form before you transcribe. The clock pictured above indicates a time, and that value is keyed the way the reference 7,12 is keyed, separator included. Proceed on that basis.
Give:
7,14
